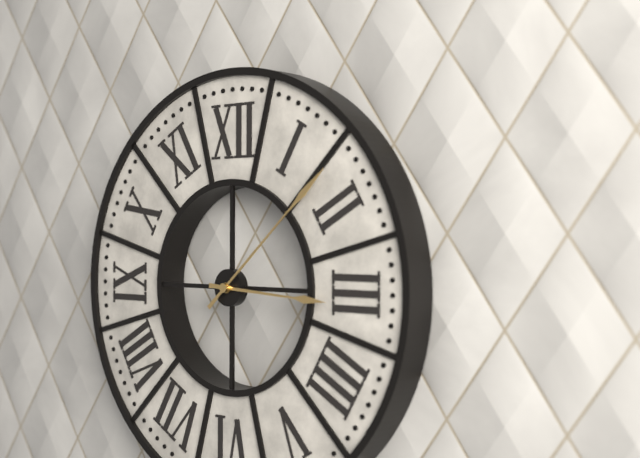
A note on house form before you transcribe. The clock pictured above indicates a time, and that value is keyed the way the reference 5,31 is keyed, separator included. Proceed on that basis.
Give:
3,08
